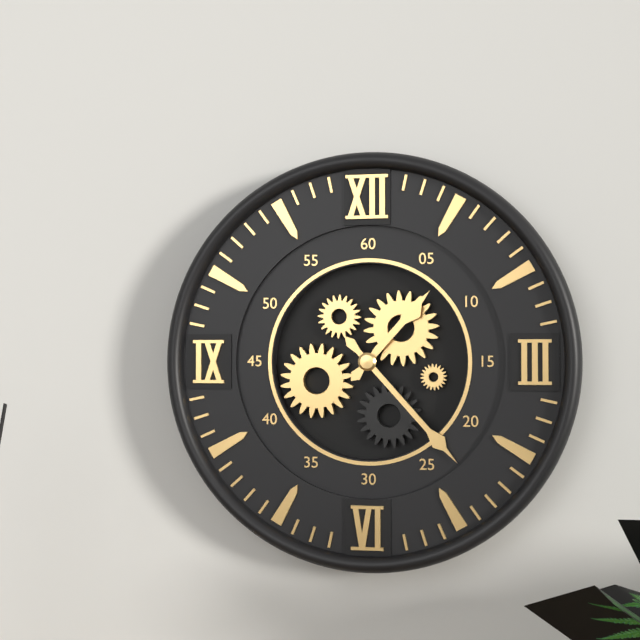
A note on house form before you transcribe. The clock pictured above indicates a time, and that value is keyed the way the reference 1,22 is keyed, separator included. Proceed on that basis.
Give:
1,23
